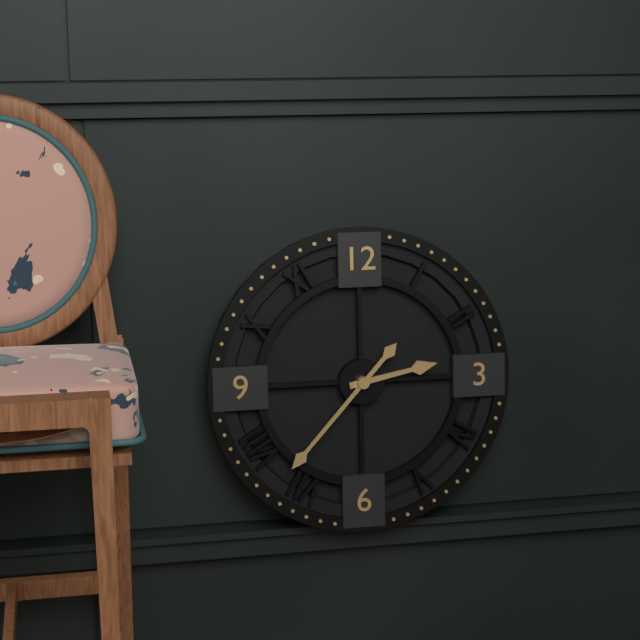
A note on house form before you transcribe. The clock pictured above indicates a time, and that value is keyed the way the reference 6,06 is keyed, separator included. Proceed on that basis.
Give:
2,37
